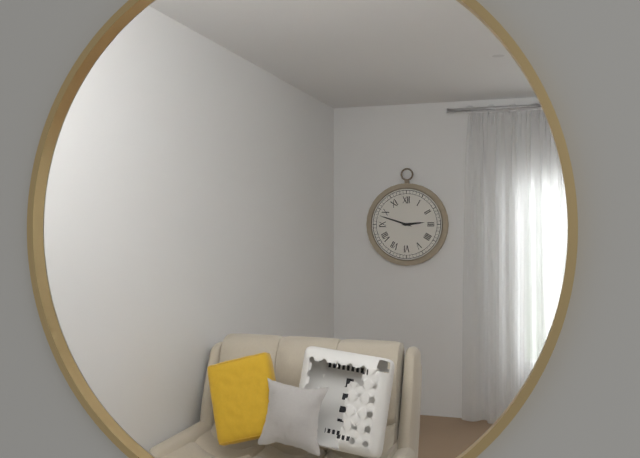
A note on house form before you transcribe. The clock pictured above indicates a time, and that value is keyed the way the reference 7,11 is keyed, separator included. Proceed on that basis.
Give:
2,48
